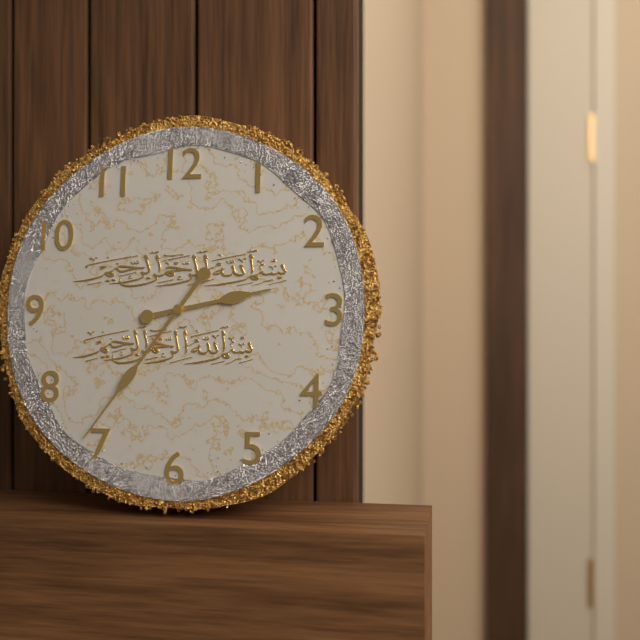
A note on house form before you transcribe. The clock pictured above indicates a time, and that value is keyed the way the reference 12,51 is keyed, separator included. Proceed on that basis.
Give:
2,36
